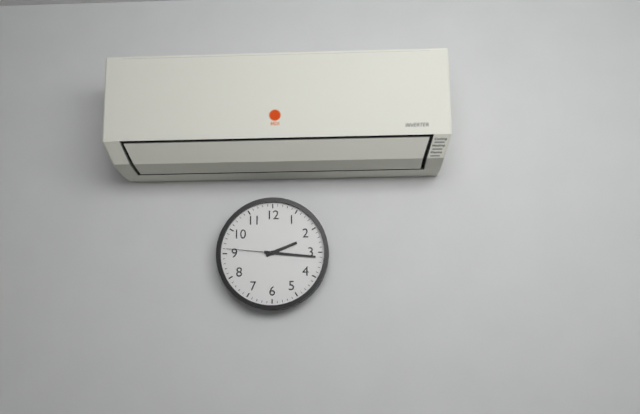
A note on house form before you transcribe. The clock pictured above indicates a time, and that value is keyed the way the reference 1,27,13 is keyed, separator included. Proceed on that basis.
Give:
2,16,46
